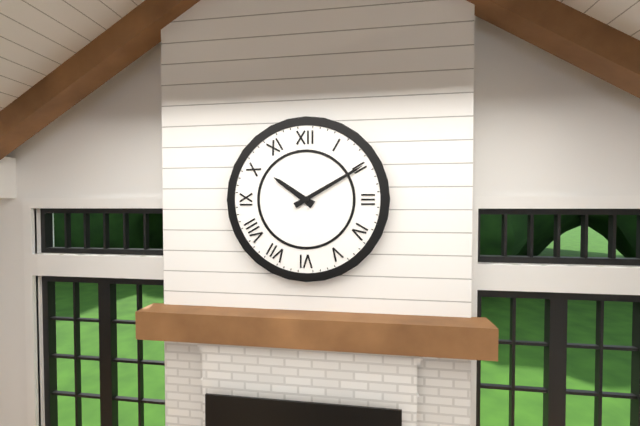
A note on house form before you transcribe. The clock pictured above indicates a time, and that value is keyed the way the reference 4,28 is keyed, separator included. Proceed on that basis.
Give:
10,10
